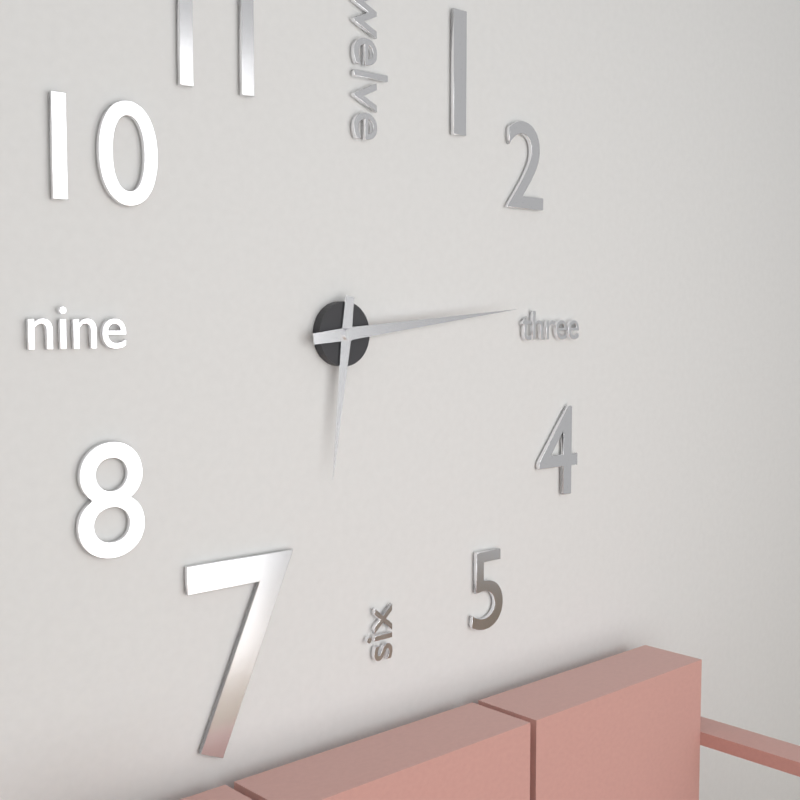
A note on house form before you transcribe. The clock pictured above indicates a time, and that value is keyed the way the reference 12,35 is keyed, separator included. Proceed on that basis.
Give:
6,14
